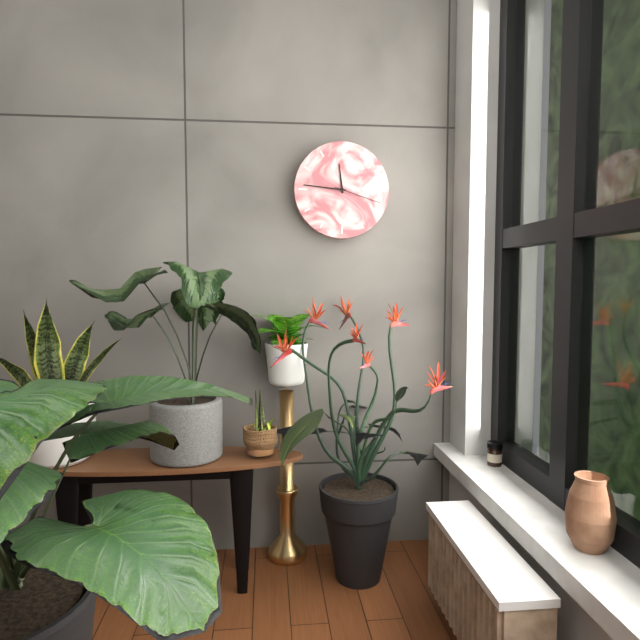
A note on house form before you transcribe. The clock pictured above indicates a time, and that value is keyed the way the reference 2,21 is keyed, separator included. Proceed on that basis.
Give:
11,46
